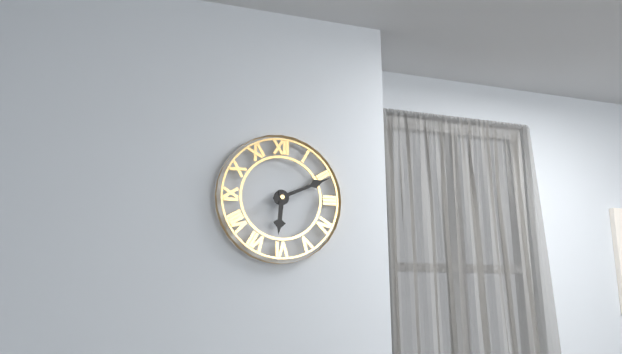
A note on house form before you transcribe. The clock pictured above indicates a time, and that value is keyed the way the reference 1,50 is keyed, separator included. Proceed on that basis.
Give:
6,11
